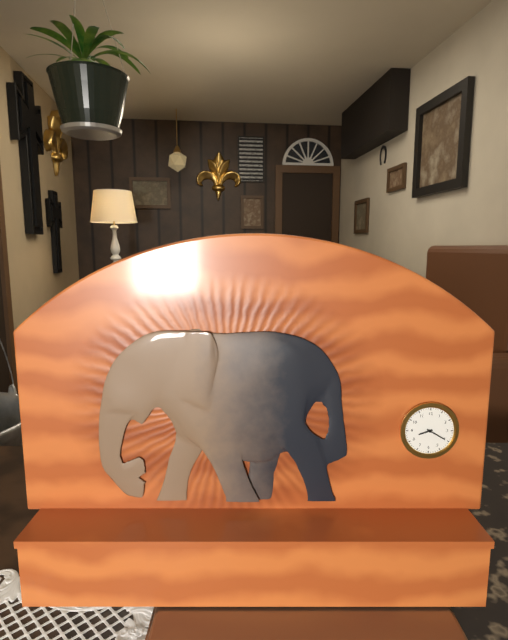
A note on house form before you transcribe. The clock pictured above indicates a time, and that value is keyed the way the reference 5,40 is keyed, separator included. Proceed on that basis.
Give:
8,20
